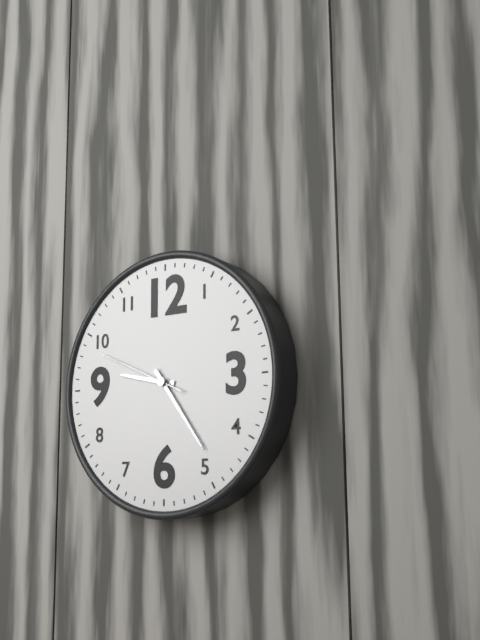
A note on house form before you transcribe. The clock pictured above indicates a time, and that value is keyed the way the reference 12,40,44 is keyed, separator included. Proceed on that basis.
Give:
9,24,49
